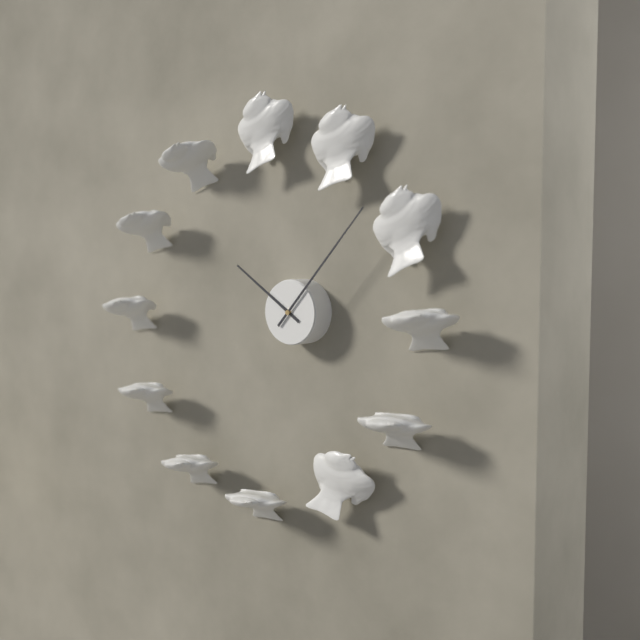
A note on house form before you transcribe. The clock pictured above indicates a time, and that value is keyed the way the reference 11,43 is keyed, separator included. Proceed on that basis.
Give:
10,07
